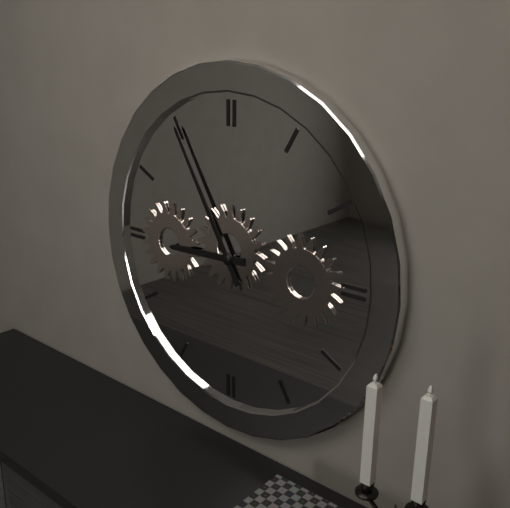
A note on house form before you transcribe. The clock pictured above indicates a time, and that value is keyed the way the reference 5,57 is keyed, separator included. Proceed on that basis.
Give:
8,55
